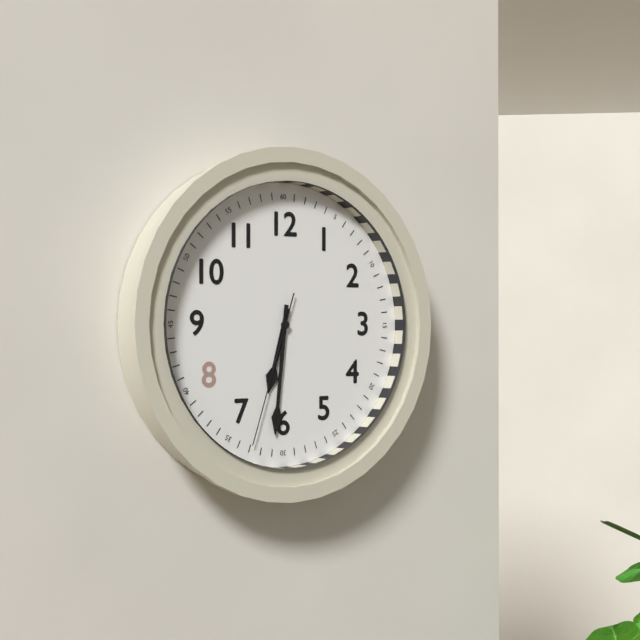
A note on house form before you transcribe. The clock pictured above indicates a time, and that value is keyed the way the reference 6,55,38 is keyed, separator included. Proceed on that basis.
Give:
6,31,33
